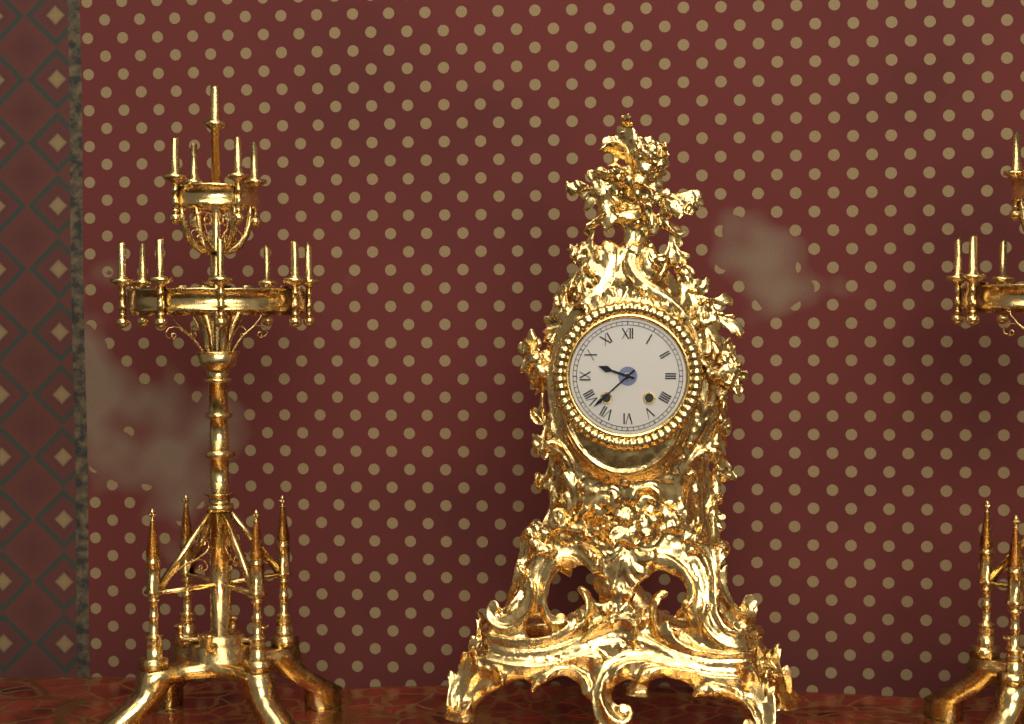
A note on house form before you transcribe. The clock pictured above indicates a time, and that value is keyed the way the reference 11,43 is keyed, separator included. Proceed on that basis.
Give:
9,38
